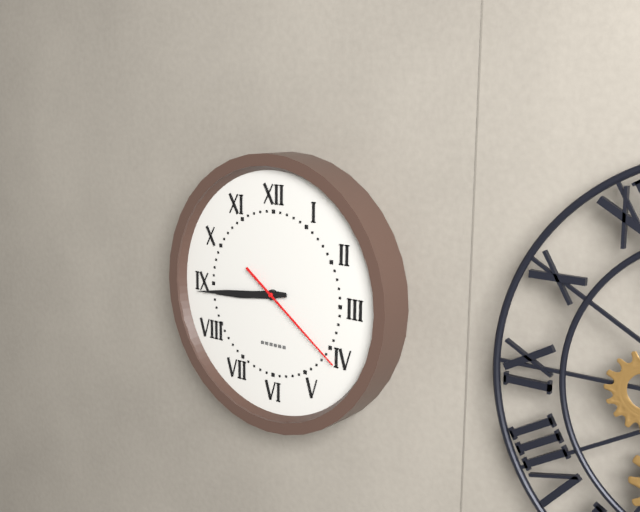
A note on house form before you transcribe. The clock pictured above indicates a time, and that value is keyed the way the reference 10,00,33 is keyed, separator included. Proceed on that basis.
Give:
8,44,21
